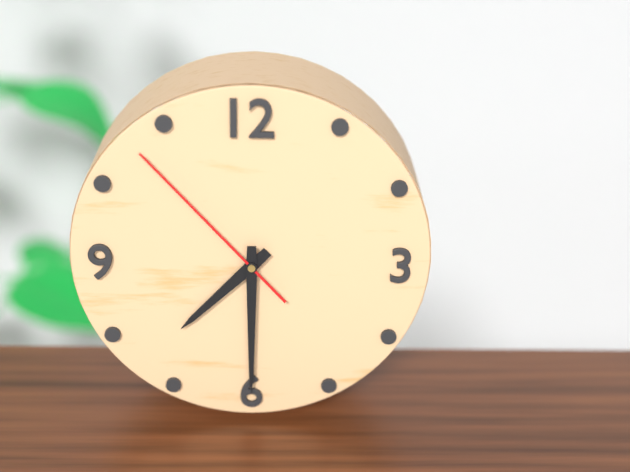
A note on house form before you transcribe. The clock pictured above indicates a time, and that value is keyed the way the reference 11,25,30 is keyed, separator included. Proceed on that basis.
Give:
7,30,53
